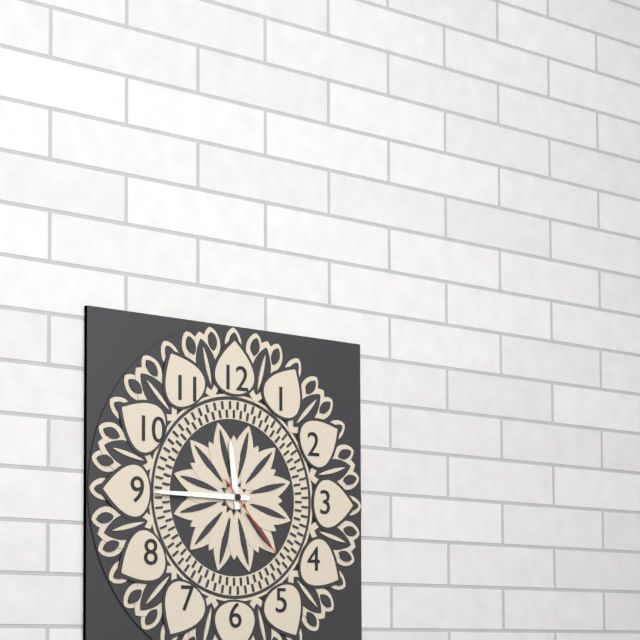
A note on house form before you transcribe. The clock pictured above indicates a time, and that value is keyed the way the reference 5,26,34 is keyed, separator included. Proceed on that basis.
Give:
11,45,23
